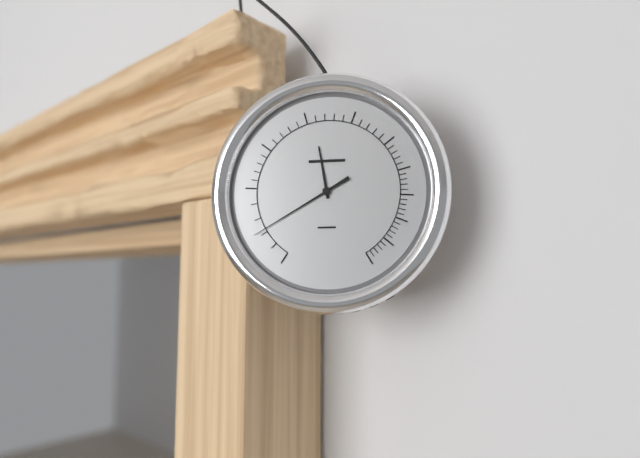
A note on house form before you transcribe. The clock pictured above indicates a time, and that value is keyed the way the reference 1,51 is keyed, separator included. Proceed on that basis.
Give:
11,40
